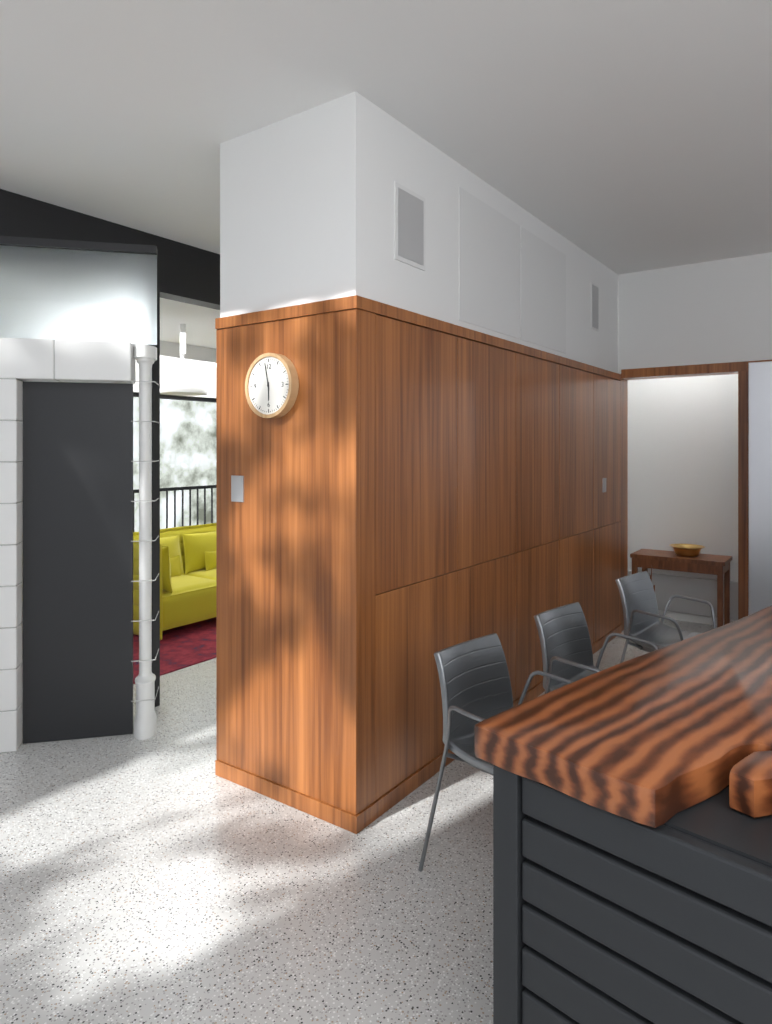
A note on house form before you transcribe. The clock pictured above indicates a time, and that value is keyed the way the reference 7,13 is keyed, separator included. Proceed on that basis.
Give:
5,58
